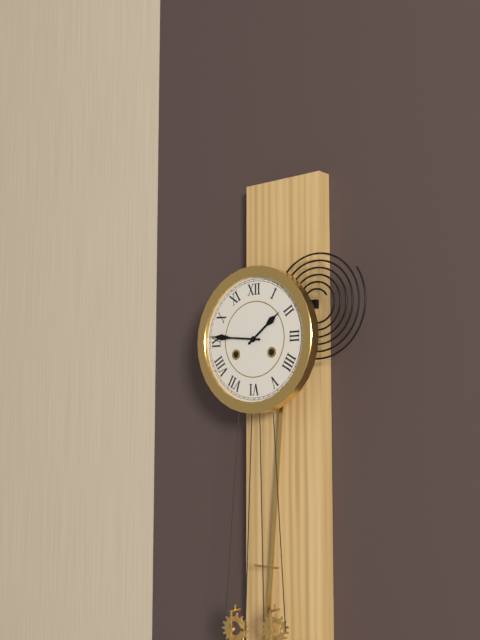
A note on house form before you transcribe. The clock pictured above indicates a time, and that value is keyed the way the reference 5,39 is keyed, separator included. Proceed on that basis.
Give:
1,46
